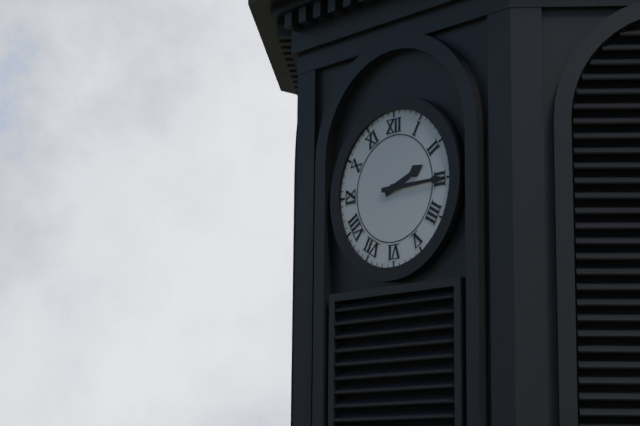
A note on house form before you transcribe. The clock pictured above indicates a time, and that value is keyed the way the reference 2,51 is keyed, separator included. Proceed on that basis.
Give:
2,15
